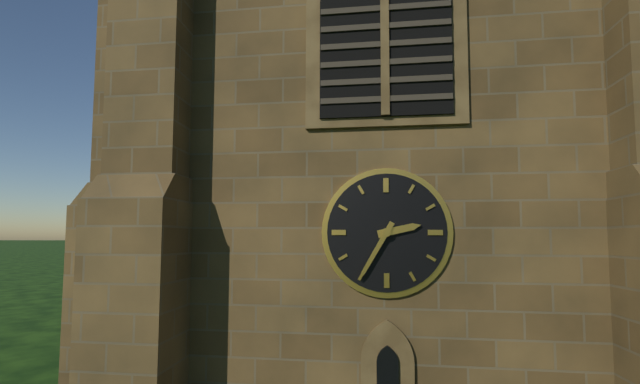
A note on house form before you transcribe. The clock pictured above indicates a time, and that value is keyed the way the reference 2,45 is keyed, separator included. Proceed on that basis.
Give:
2,35
